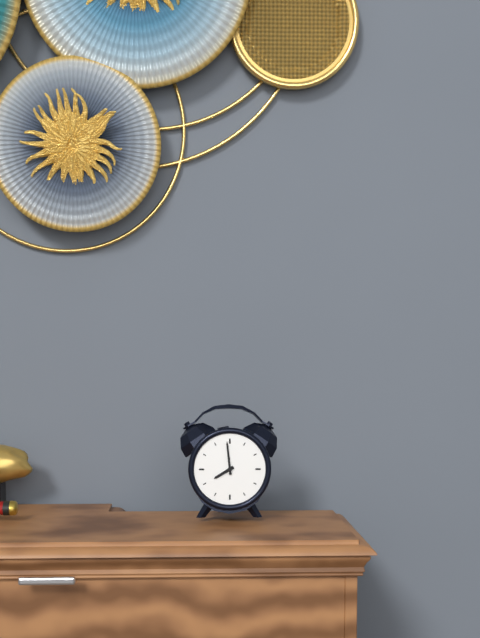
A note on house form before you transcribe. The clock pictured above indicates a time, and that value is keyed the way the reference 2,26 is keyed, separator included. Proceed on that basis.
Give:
7,59
